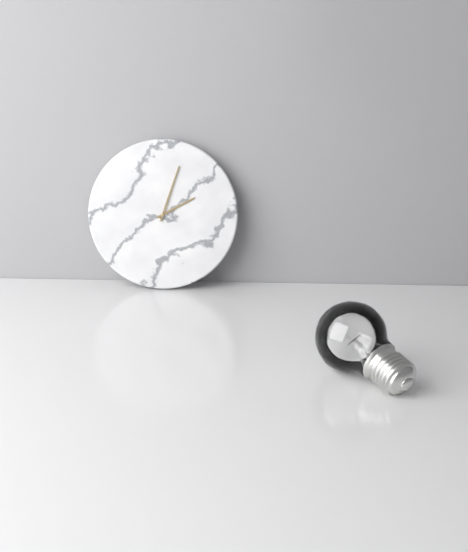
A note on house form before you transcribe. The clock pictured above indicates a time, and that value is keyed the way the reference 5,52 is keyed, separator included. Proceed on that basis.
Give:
2,03
